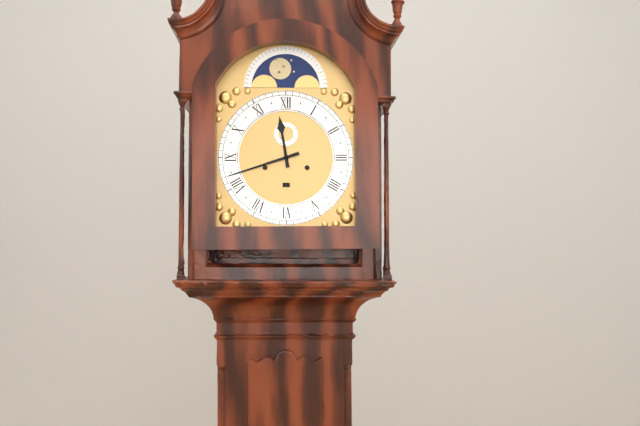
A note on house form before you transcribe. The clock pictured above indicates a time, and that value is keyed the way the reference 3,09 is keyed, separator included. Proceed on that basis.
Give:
11,42
